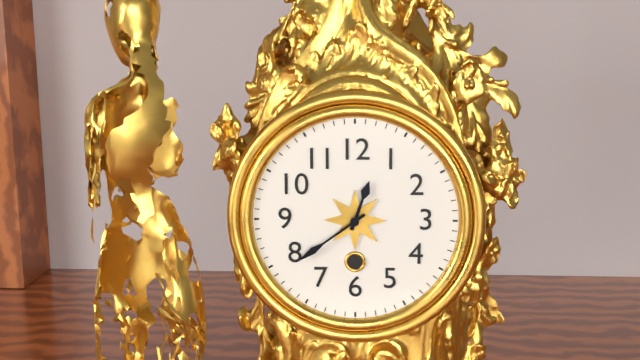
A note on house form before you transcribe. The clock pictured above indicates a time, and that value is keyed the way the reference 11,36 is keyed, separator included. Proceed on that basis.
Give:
12,39
